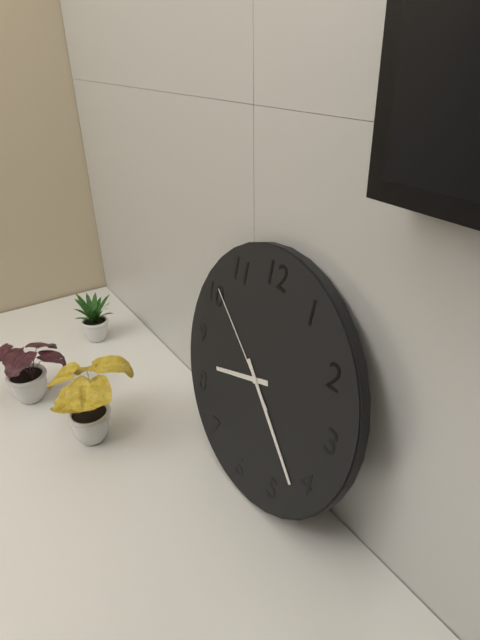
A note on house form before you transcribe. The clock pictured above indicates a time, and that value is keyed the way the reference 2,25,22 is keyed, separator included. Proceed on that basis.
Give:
8,22,51
